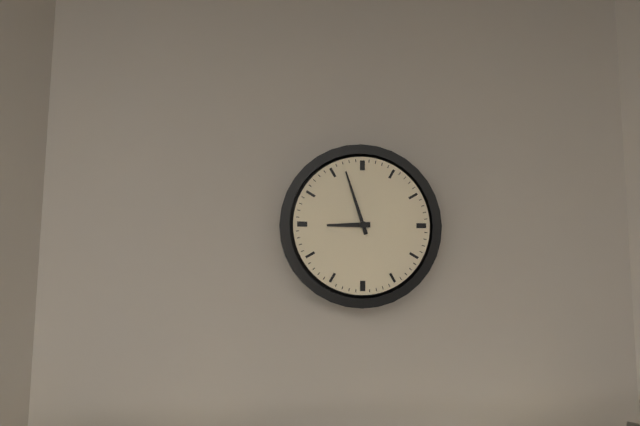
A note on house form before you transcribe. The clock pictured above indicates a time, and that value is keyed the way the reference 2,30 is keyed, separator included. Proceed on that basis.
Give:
8,57
